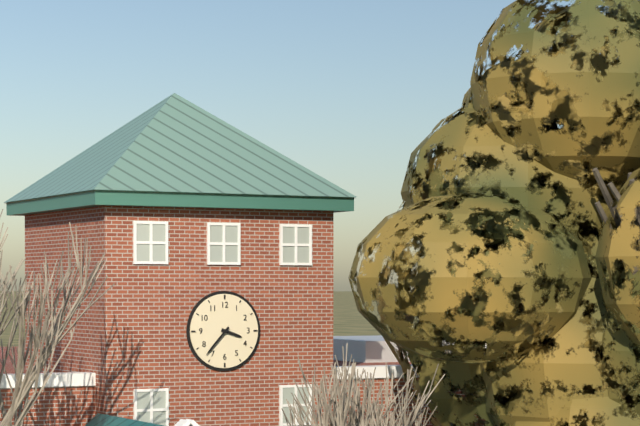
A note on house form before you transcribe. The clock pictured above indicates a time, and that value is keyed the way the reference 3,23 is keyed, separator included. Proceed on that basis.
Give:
3,37
